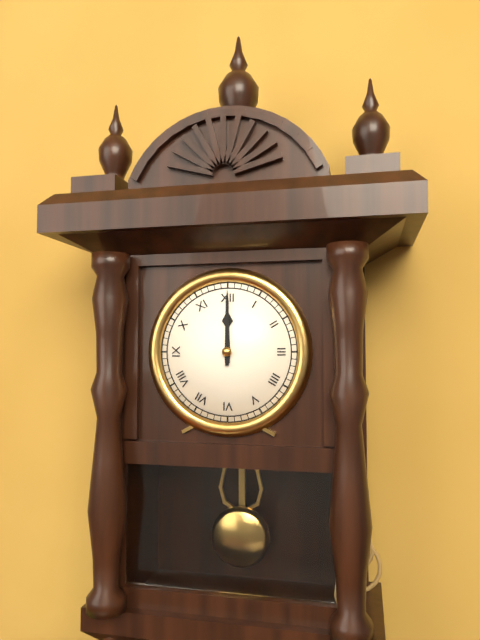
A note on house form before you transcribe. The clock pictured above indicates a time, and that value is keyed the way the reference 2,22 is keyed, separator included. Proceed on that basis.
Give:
12,00
